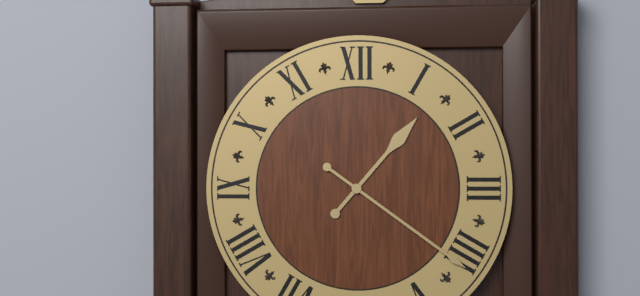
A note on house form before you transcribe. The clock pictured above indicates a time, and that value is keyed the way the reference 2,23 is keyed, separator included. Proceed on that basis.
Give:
1,21
